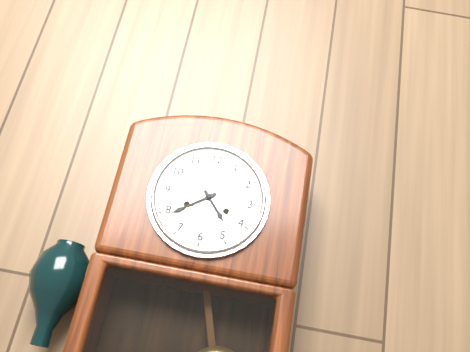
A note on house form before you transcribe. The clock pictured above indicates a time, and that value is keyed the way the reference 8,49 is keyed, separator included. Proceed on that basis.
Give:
4,39
